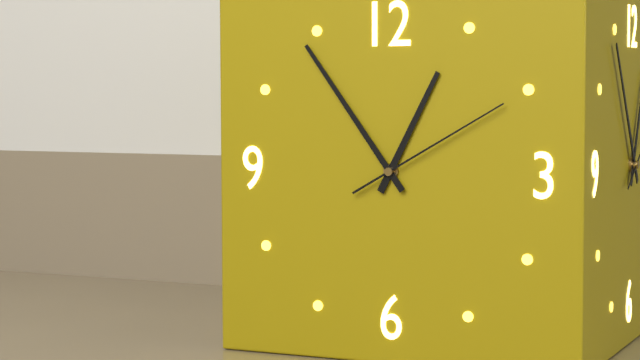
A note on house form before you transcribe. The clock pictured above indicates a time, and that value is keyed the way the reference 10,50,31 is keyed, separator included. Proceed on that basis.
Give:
12,54,10
